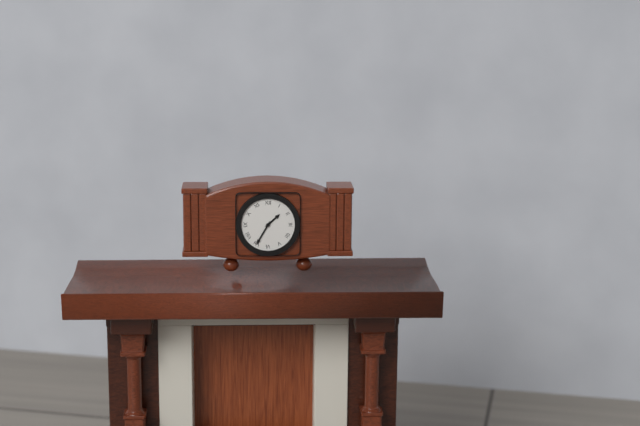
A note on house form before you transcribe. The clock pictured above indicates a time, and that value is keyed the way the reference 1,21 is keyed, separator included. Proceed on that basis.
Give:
1,35
